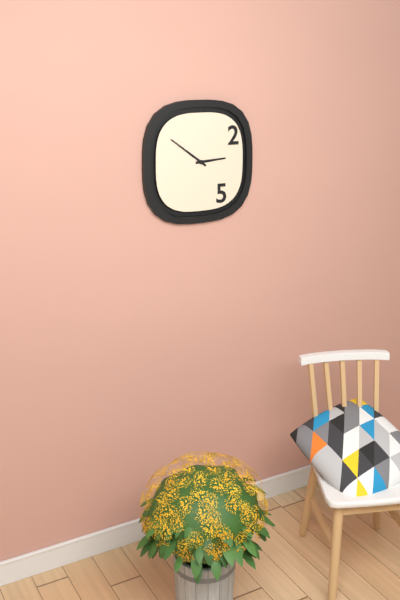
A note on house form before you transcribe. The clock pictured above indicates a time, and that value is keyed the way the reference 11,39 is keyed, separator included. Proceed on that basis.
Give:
2,51
